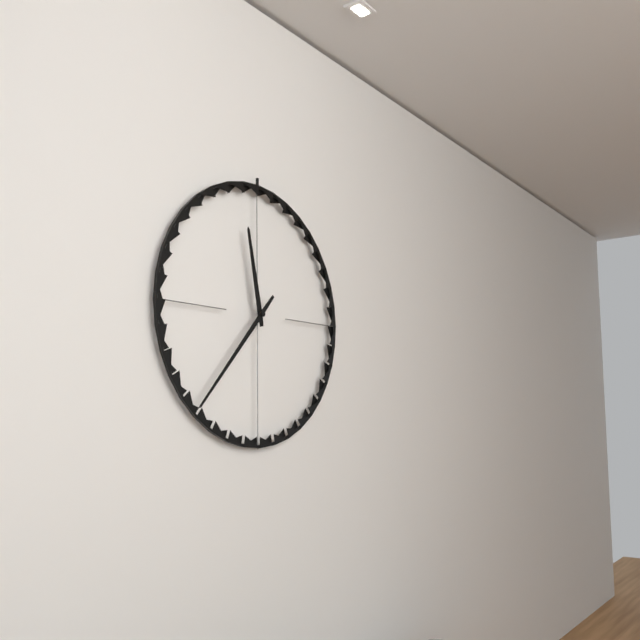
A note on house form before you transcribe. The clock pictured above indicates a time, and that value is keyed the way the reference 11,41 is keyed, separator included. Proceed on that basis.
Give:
11,37
